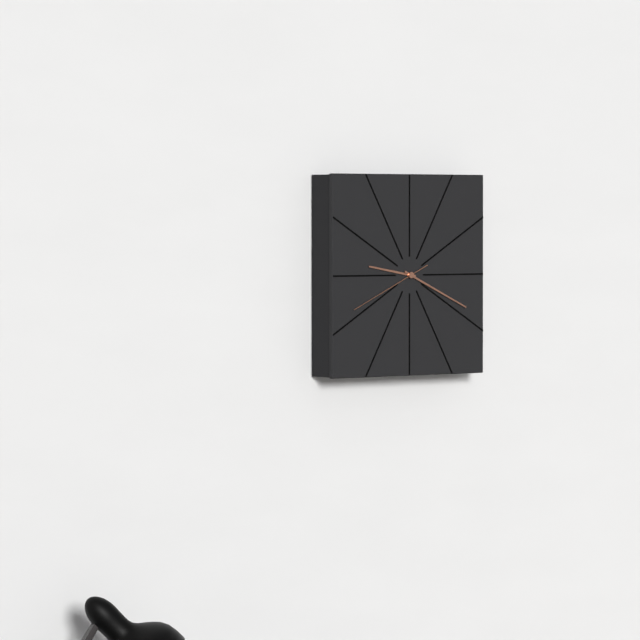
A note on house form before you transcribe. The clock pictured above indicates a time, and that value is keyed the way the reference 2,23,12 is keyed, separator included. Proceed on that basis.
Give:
9,19,41
